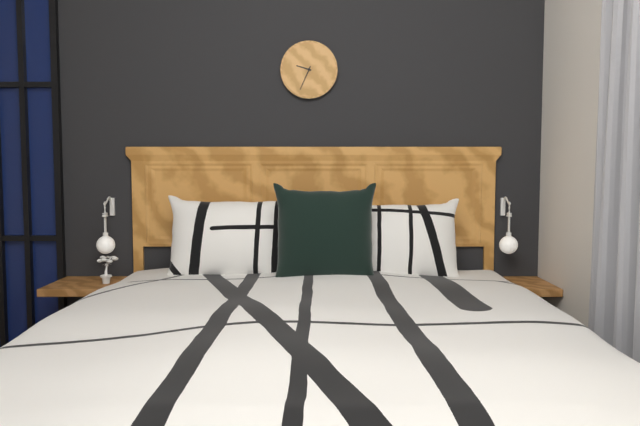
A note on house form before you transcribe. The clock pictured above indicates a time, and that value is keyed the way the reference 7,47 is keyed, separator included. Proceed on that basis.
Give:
9,34
